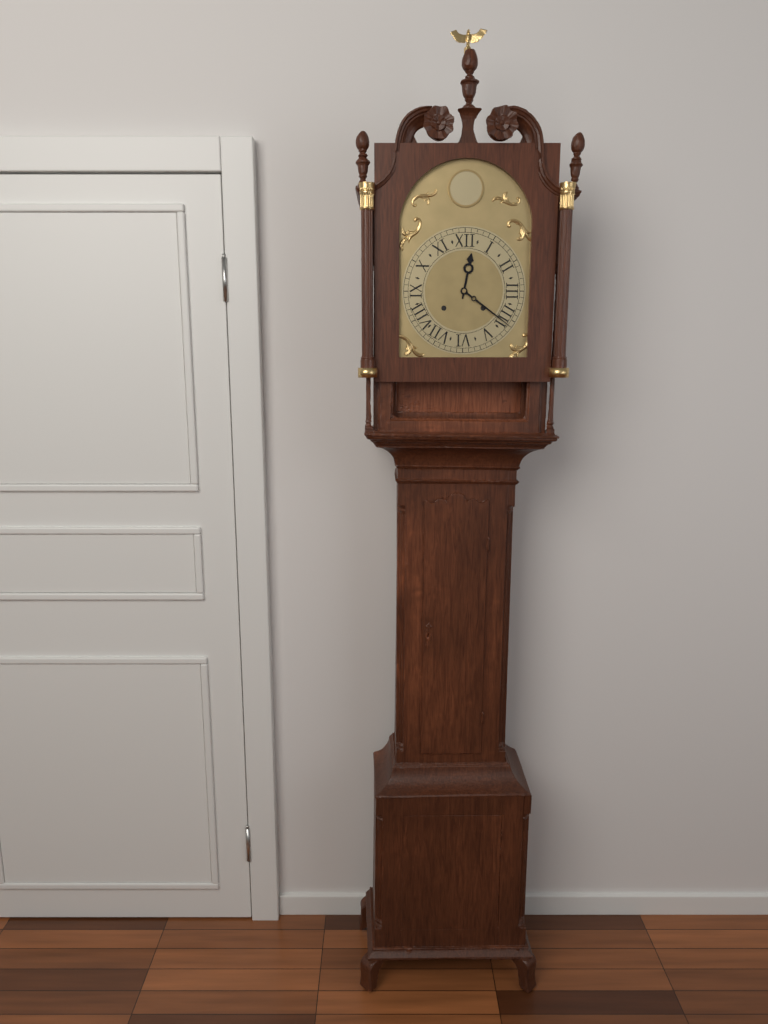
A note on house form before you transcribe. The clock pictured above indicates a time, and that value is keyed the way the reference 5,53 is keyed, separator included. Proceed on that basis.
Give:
12,21
